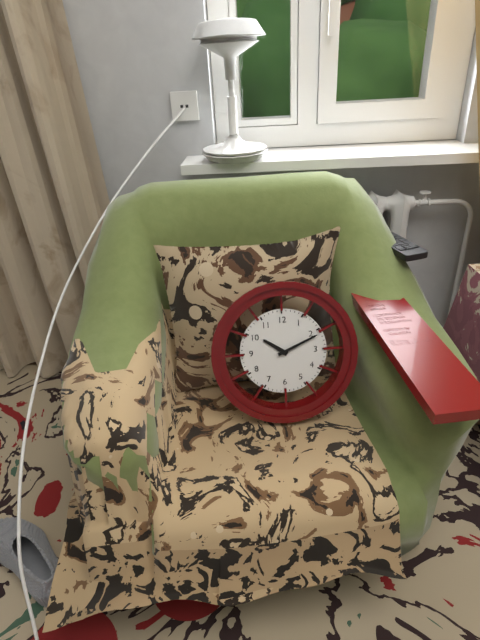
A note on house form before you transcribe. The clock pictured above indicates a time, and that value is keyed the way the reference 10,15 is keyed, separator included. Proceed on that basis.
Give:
10,11
